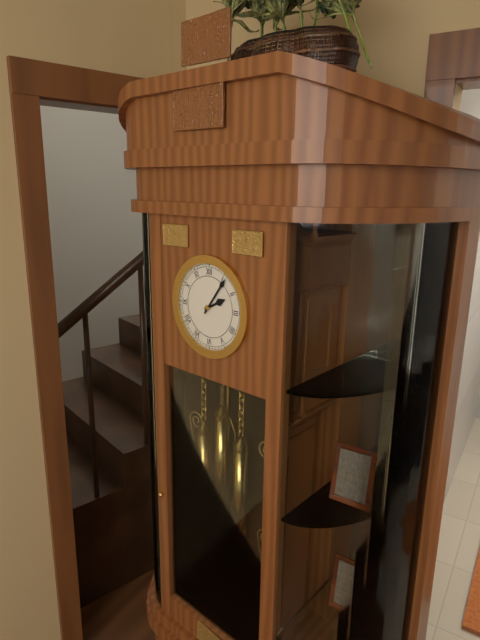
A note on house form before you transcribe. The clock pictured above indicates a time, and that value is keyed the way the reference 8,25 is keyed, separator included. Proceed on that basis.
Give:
2,06
